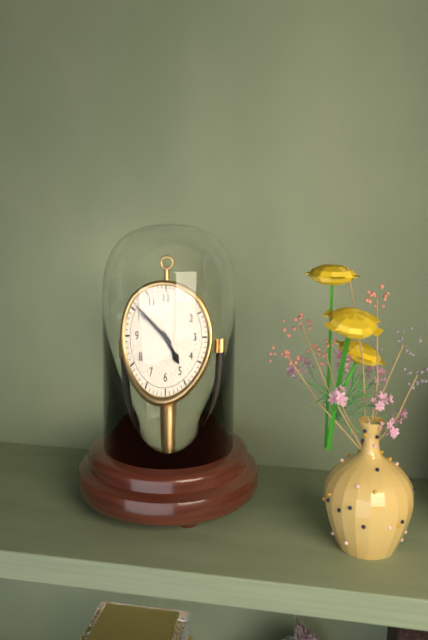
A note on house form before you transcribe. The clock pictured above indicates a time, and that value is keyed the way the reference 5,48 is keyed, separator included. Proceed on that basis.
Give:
4,51
